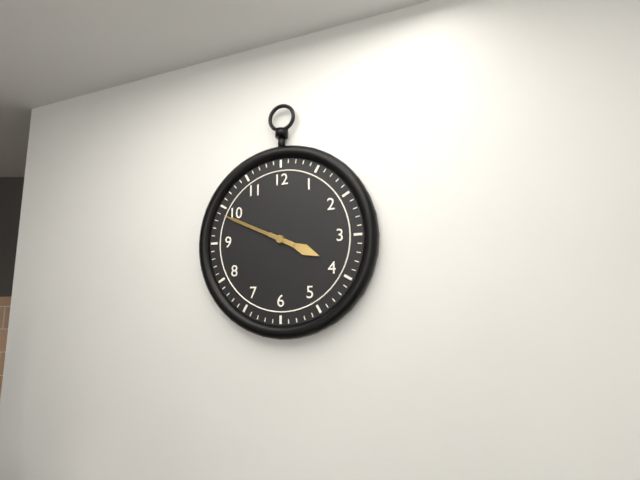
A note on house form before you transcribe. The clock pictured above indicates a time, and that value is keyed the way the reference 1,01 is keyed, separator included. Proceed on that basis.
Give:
3,49
